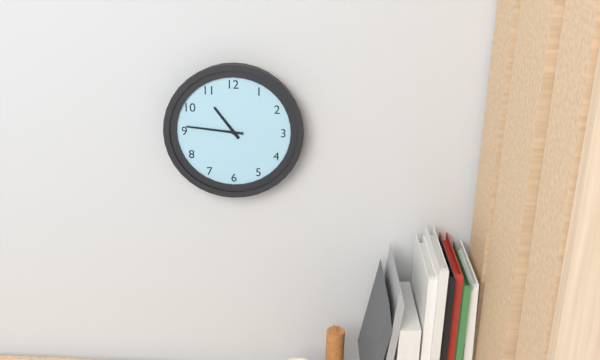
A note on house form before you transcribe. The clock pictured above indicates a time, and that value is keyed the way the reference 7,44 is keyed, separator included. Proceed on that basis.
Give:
10,46
